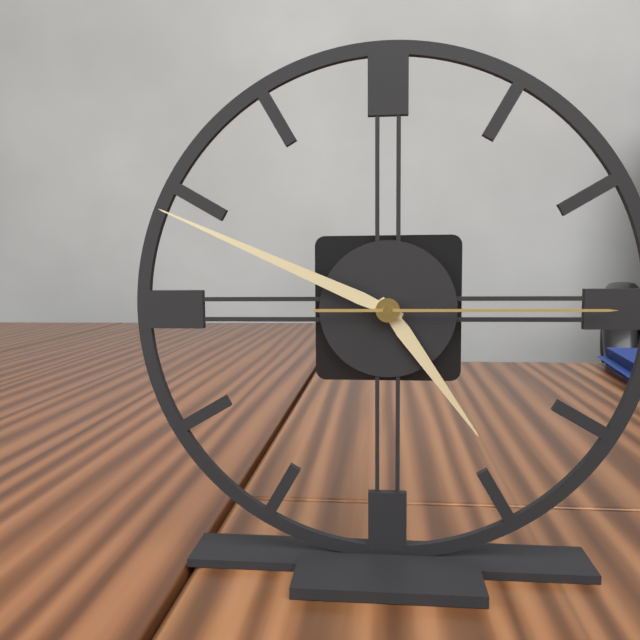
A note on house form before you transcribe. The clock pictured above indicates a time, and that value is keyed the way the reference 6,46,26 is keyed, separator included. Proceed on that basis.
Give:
4,49,15
